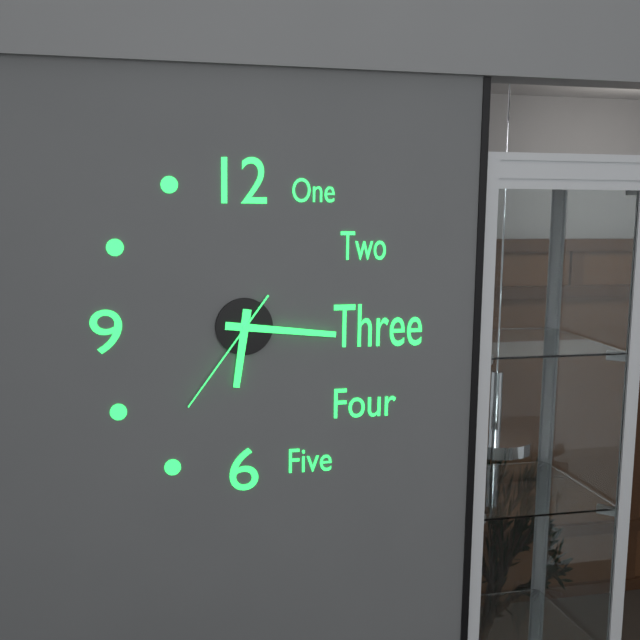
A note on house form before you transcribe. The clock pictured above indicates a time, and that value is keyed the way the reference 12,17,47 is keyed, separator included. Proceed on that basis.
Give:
6,16,36
